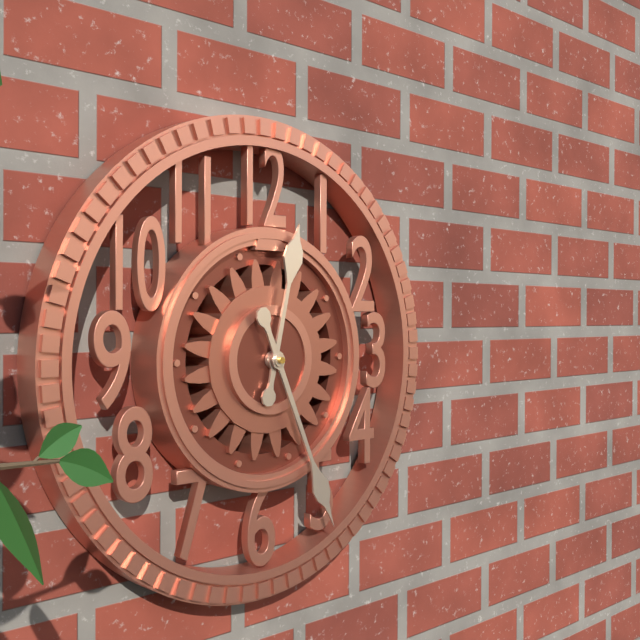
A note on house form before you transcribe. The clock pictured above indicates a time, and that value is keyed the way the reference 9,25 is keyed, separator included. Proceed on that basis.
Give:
12,26
